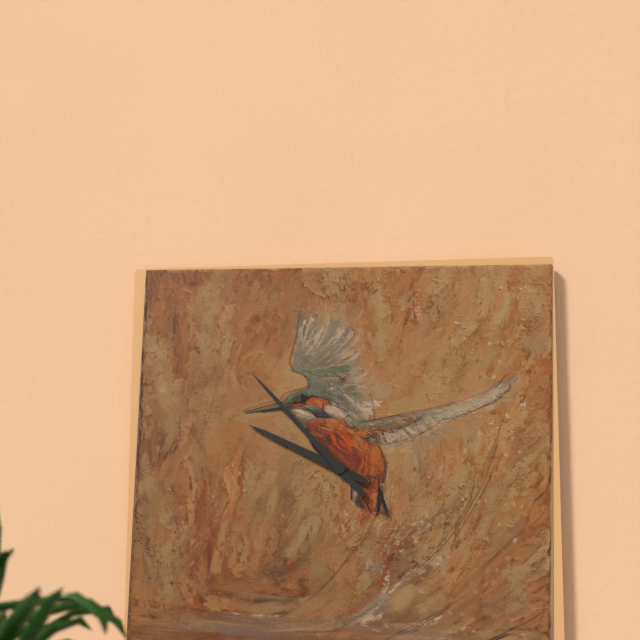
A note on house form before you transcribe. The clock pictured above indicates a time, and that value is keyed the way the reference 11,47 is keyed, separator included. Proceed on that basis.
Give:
9,53
